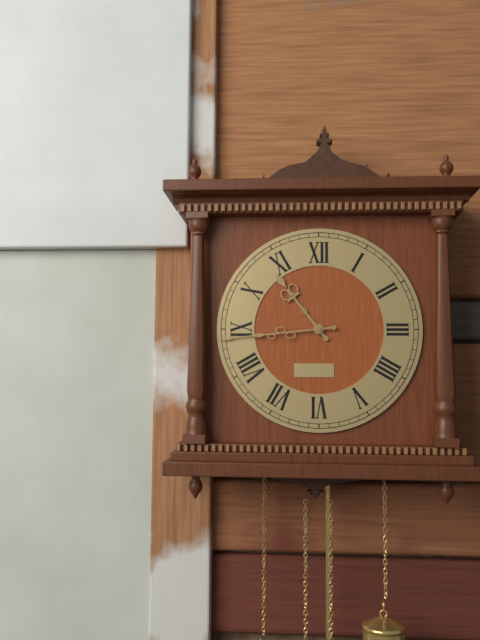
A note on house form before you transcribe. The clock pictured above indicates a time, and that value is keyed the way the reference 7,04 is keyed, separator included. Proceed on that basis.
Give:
10,44
